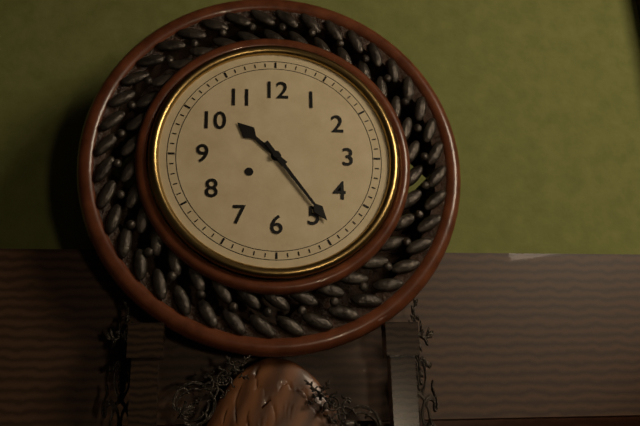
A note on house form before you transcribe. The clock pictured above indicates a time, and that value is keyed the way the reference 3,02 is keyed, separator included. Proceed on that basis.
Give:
10,24
